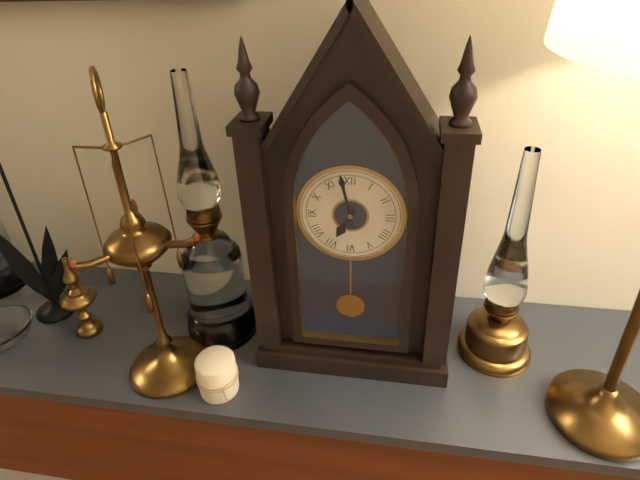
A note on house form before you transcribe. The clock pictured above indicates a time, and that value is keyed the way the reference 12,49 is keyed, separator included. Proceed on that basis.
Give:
6,58
